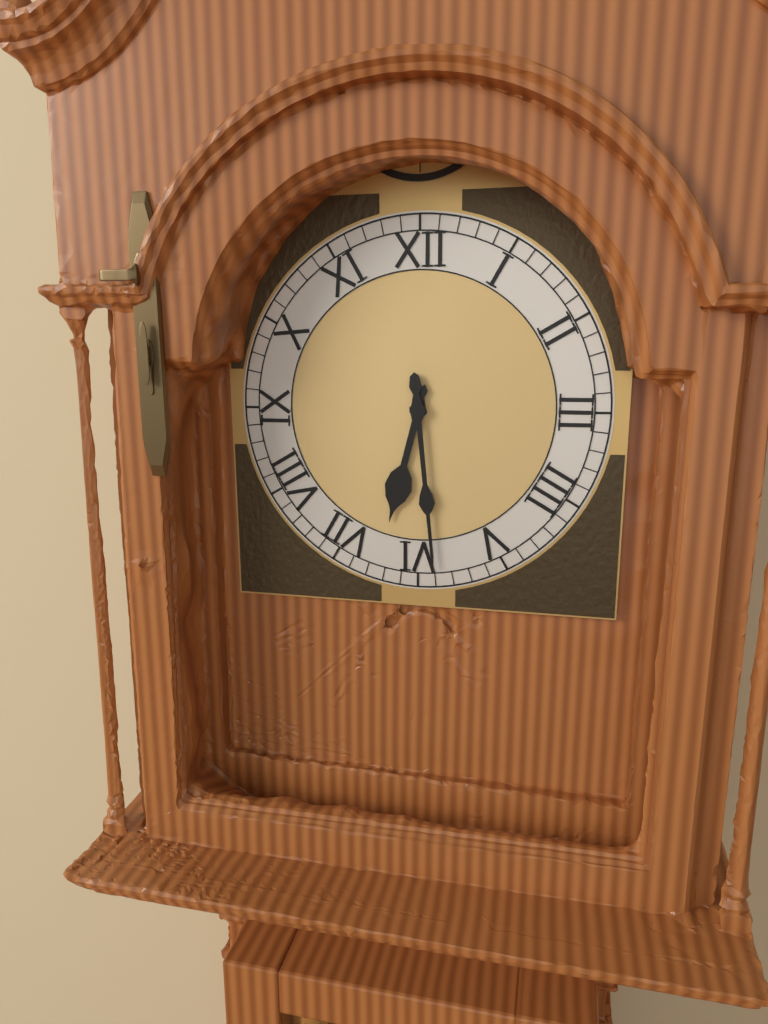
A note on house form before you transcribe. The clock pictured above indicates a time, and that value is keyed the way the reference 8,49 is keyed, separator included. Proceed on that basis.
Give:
6,29
